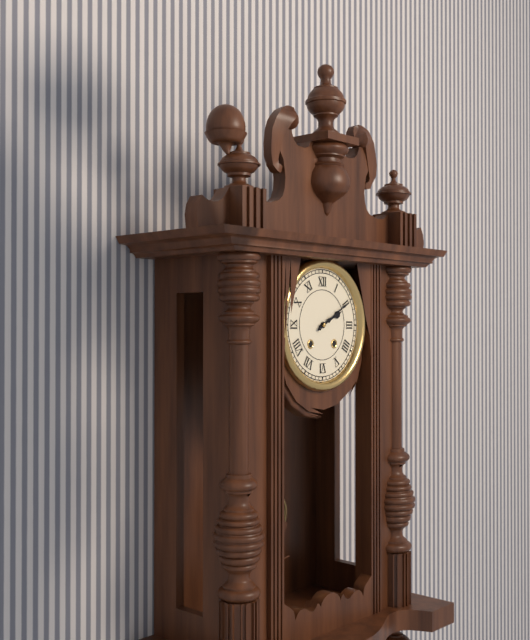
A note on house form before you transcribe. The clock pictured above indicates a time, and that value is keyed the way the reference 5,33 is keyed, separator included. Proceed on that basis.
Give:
2,10
